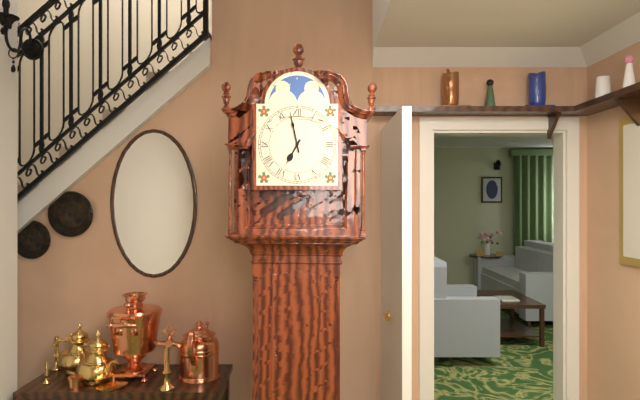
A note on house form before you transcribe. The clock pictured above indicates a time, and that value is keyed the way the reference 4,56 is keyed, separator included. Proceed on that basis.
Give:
6,58
